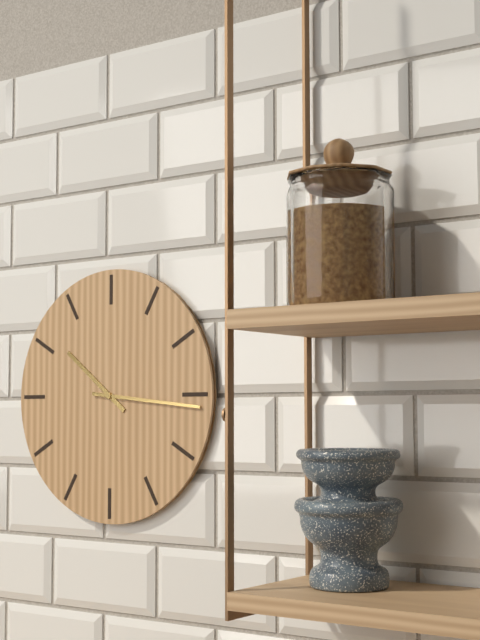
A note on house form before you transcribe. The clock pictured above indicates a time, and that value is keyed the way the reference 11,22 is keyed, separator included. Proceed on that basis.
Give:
10,16
